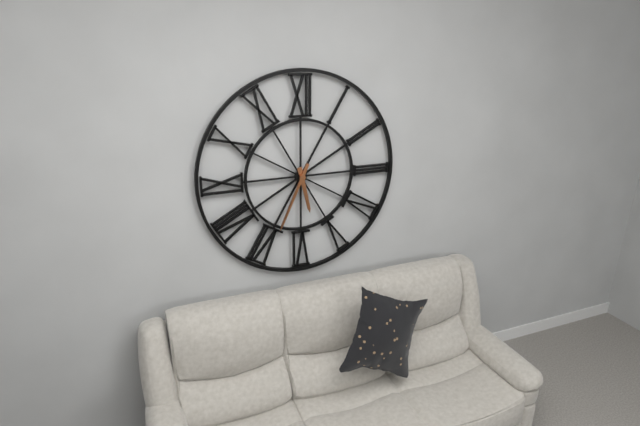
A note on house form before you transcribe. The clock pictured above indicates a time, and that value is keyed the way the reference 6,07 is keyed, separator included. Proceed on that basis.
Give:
5,34
